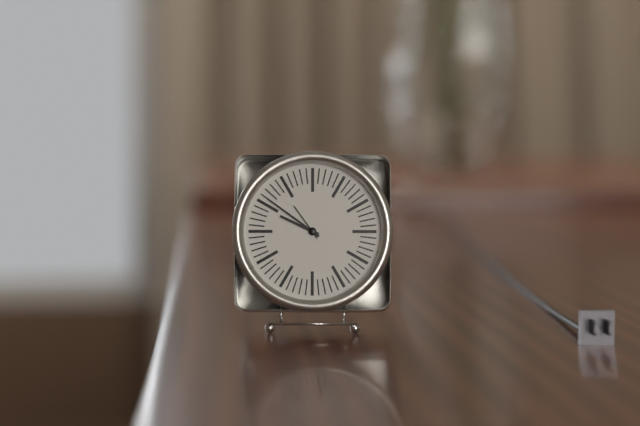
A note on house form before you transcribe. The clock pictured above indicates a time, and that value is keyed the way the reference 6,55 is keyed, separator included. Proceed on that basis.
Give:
9,51
